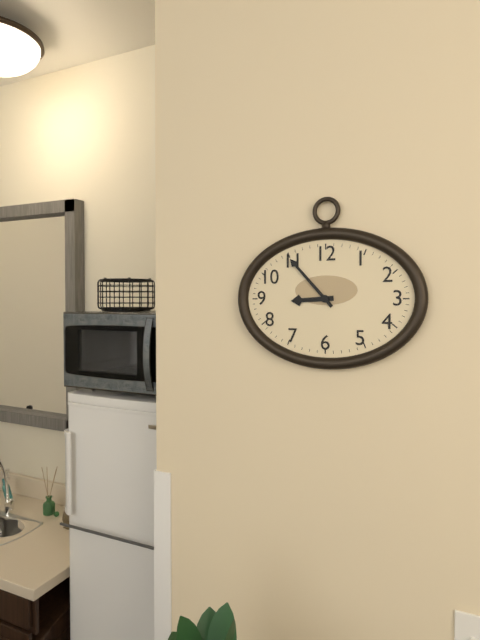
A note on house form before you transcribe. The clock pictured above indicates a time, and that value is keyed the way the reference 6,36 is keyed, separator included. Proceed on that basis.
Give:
8,53
